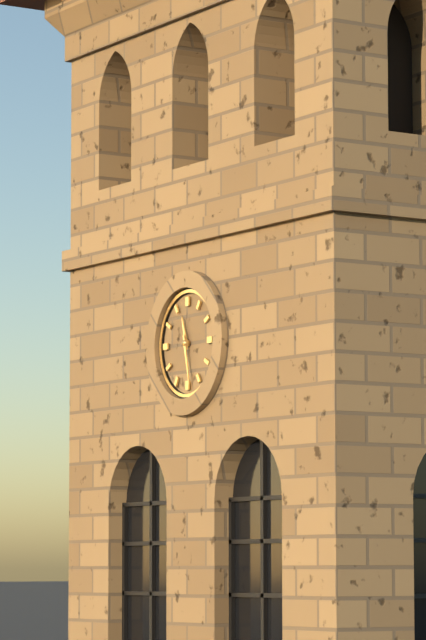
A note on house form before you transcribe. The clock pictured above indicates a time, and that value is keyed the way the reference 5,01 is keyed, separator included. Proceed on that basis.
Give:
11,28
